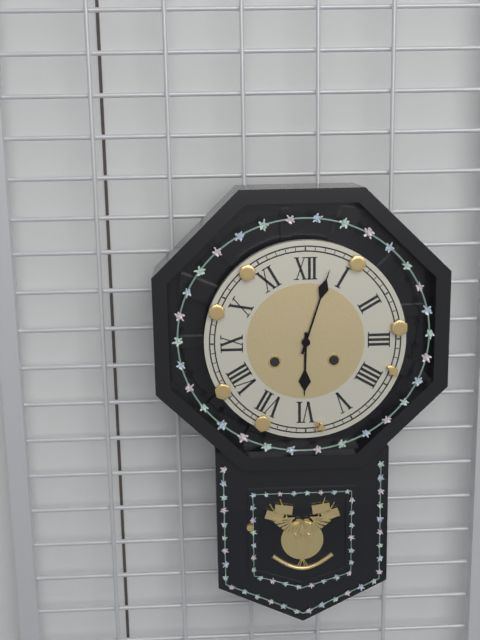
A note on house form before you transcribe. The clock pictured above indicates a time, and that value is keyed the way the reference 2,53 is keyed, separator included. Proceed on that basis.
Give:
6,03
